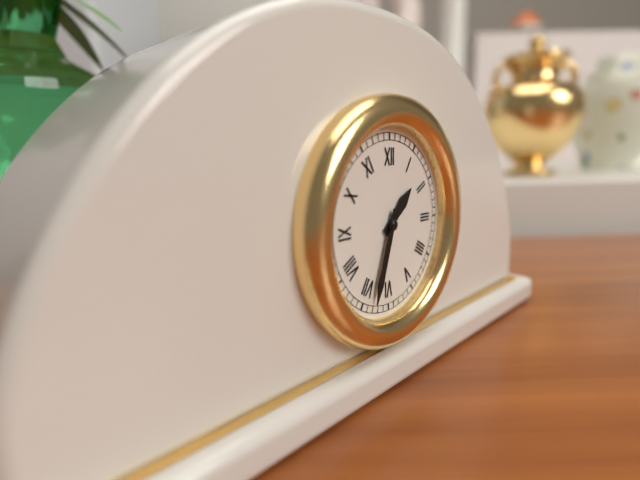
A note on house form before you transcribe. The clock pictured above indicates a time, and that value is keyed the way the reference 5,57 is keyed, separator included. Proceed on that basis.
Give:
1,33
